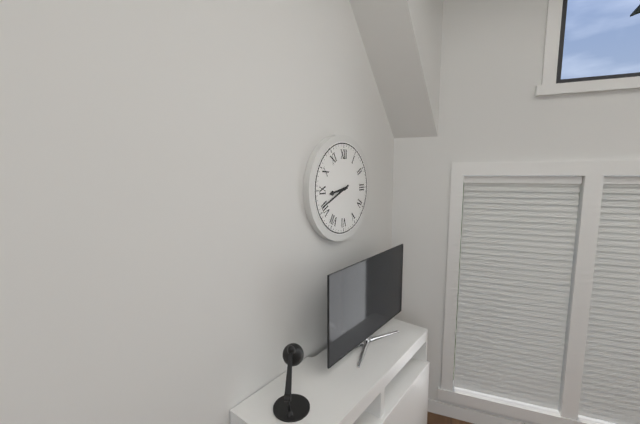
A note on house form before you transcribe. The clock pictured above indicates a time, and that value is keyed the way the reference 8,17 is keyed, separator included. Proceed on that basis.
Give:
8,41
